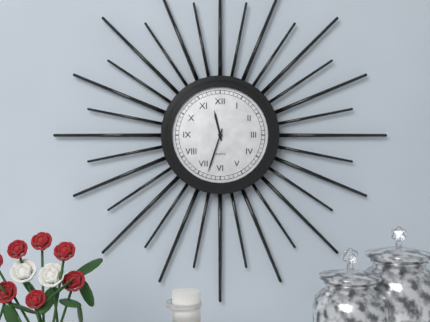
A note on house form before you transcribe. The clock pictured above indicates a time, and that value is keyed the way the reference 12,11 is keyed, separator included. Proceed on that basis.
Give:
11,33
